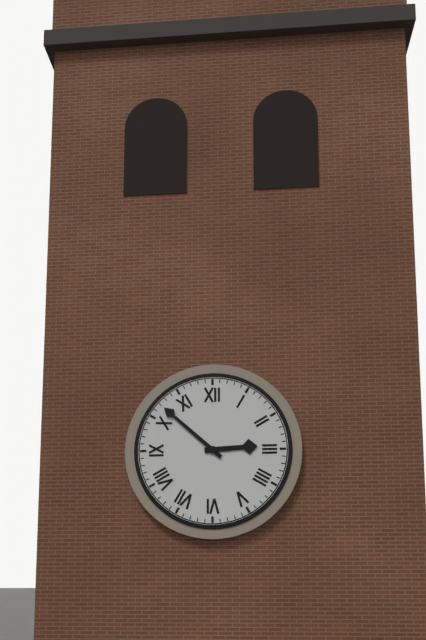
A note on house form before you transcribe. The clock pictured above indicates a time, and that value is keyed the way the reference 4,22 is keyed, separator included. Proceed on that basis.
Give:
2,52
